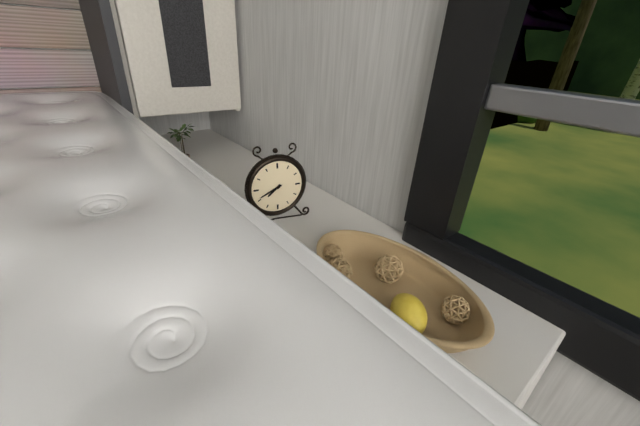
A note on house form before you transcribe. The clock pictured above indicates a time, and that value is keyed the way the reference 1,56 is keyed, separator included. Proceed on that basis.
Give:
7,41
